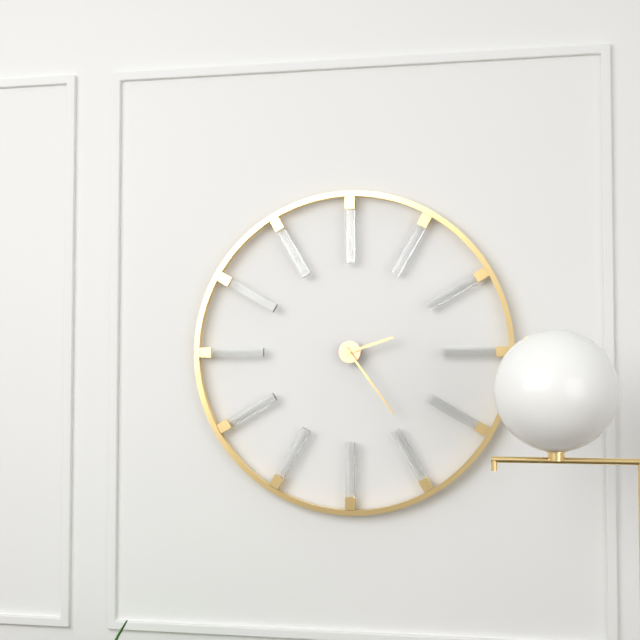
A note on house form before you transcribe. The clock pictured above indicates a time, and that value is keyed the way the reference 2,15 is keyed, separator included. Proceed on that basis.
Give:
2,24
